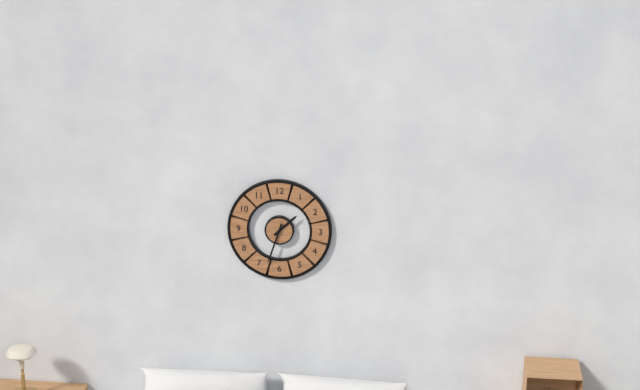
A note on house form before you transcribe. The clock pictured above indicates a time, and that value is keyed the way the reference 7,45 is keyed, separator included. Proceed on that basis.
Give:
1,33
